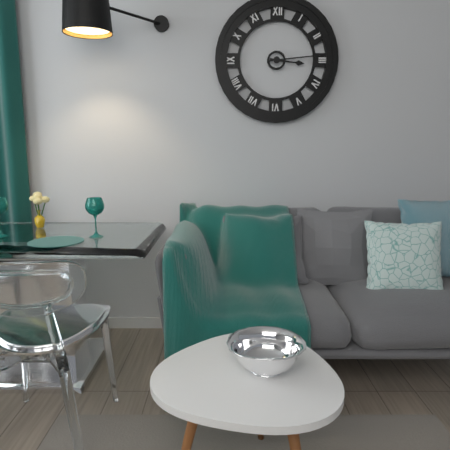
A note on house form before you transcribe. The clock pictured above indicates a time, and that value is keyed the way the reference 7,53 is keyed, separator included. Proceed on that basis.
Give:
3,14
